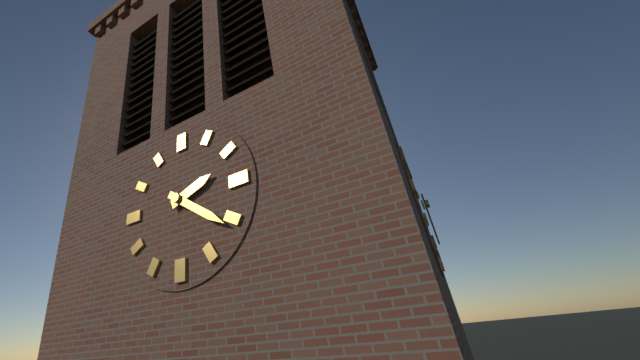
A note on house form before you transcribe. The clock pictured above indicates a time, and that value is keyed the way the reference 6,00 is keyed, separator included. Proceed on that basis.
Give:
2,21
